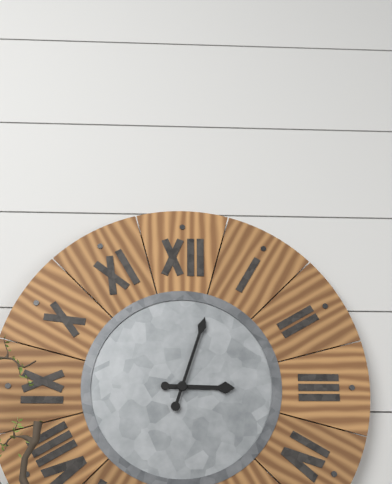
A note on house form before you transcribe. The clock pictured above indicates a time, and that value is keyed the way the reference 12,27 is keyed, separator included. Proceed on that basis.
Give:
3,03
